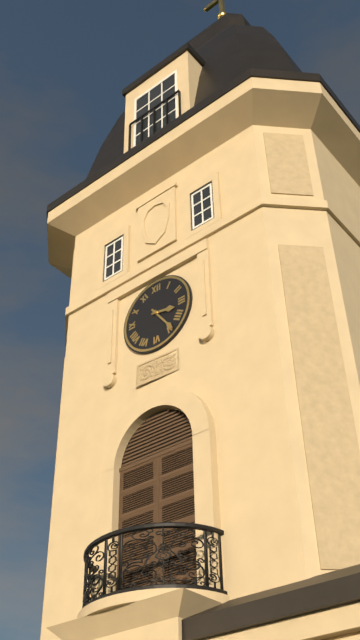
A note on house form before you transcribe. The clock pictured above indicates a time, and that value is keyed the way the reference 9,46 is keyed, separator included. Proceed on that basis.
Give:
3,24
